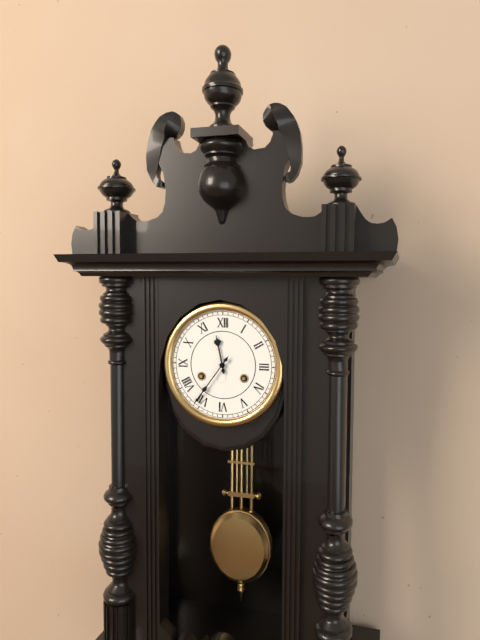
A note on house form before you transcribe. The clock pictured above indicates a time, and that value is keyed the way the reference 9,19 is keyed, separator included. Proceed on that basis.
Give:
11,36
